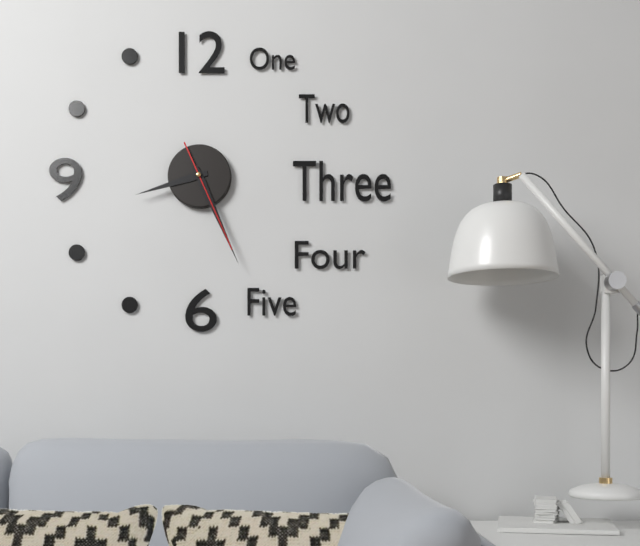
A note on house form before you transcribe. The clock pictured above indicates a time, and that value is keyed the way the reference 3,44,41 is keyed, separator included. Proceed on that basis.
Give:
8,26,26
